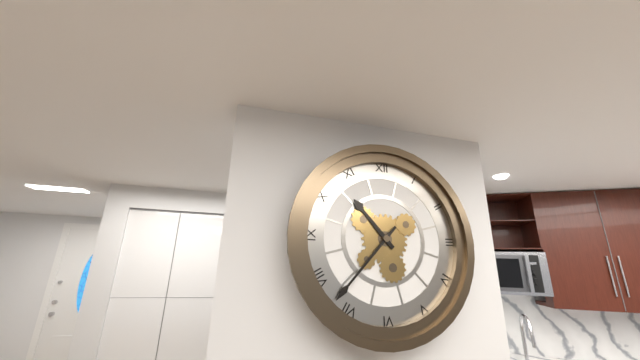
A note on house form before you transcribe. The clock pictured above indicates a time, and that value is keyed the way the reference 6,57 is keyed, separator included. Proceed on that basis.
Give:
10,37
